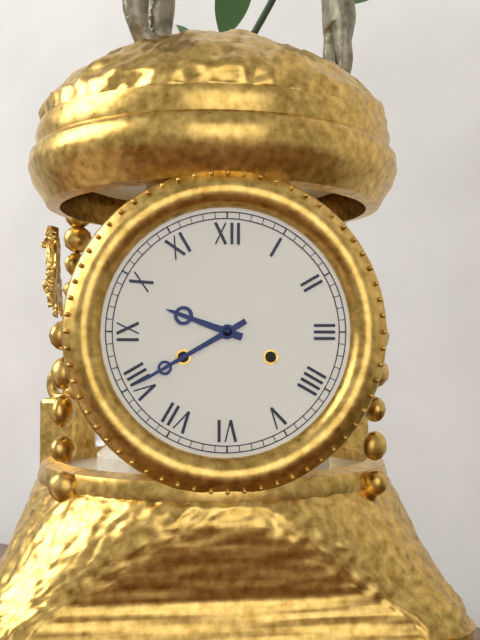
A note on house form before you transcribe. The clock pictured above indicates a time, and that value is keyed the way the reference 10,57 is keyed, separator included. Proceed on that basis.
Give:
9,40
